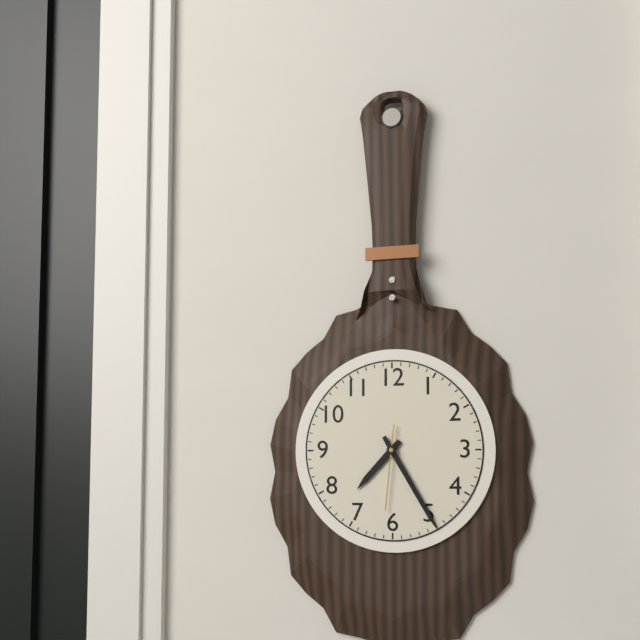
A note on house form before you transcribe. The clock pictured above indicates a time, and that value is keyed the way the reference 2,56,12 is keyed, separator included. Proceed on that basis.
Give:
7,25,31
